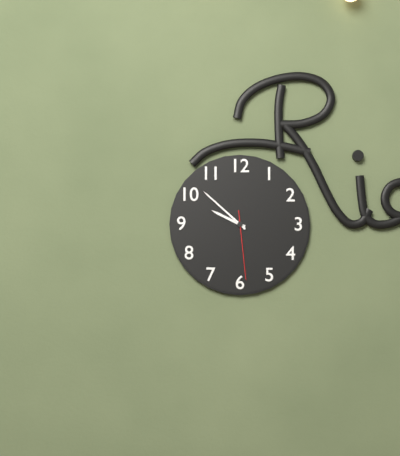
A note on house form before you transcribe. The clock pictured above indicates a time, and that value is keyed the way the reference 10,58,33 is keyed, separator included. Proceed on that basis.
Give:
9,52,29
